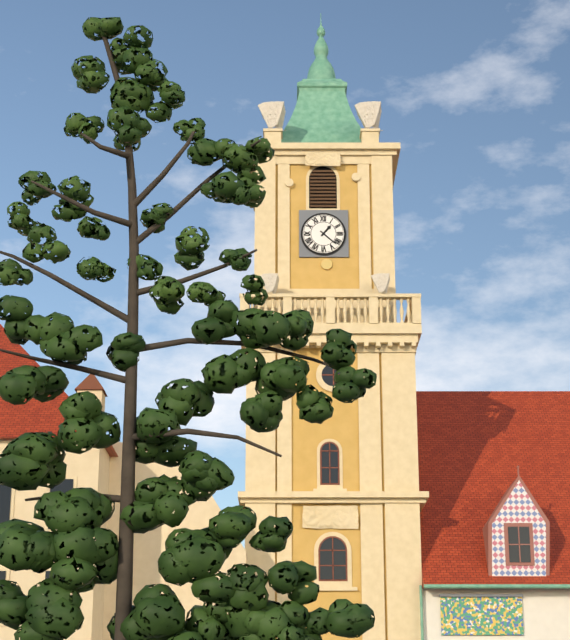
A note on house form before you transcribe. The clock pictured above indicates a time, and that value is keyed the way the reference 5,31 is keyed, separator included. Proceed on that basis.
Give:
1,22
